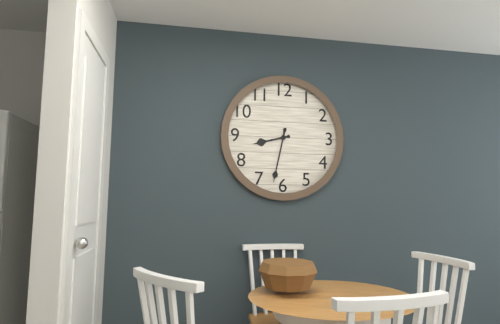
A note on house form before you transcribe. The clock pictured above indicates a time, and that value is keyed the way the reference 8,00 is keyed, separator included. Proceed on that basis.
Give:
8,32
